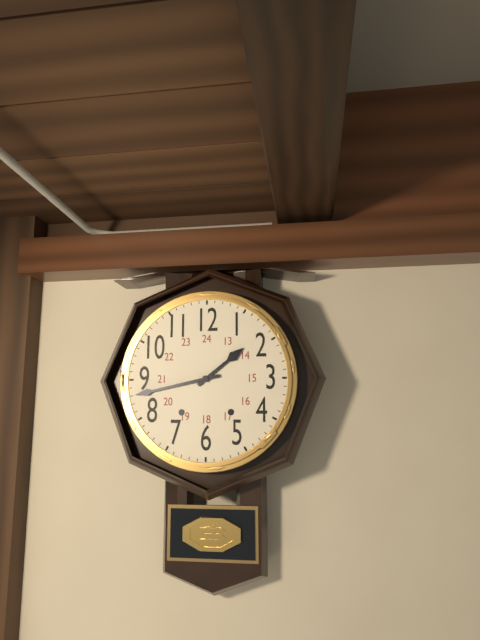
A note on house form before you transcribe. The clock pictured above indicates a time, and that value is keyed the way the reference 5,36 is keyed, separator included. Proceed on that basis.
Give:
1,43
